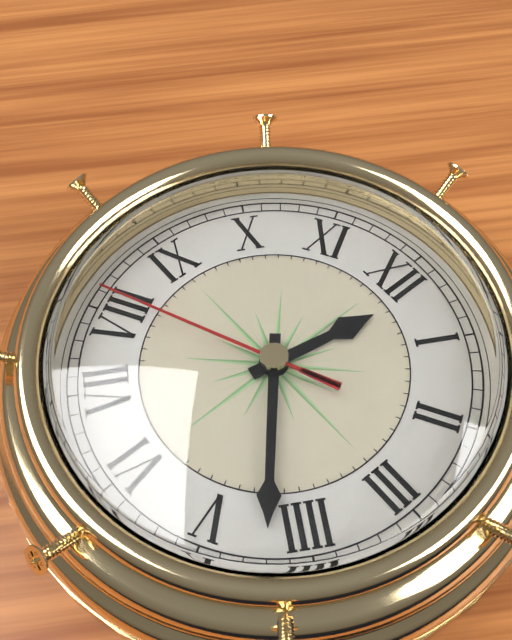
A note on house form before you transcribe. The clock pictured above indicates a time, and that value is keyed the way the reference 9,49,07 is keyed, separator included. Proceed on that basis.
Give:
12,22,41
